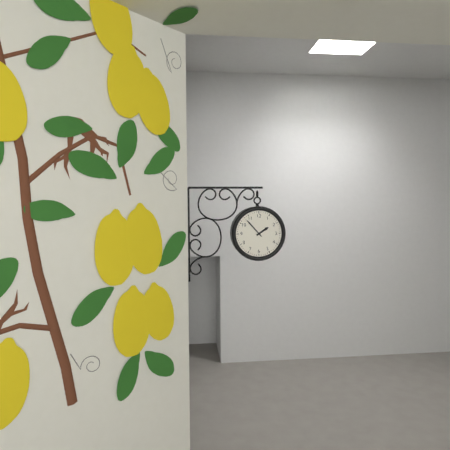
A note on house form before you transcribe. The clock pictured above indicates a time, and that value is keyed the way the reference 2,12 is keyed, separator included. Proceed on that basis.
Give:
1,53
